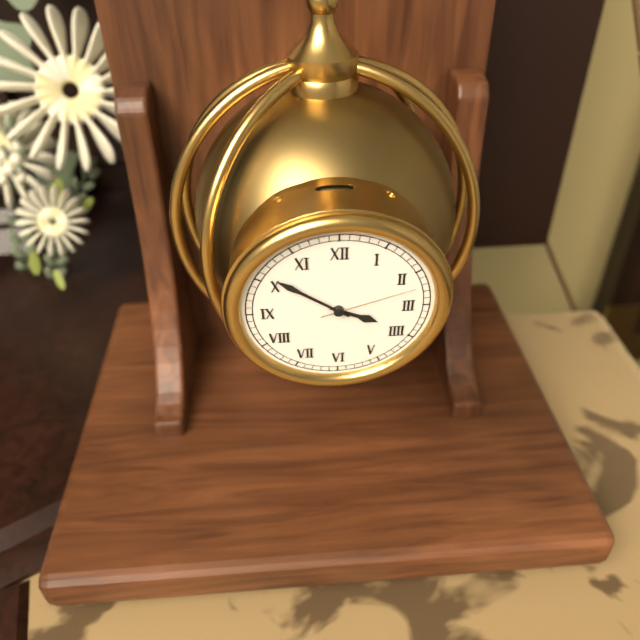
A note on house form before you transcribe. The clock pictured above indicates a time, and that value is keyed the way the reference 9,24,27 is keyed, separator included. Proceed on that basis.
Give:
3,51,12
